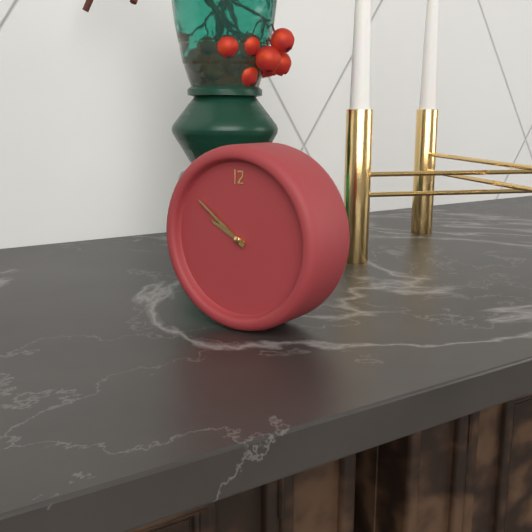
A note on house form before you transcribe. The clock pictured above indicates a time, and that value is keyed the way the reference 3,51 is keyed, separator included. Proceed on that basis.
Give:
9,51
